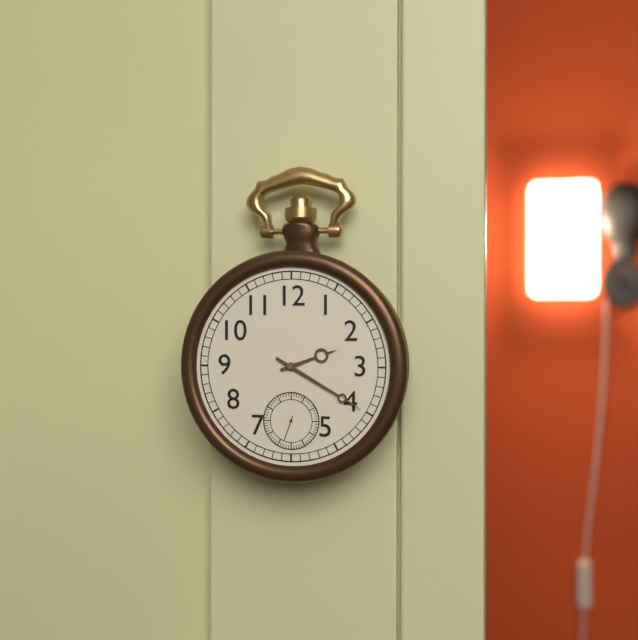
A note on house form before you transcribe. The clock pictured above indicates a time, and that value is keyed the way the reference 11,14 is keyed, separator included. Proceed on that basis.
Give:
2,20
